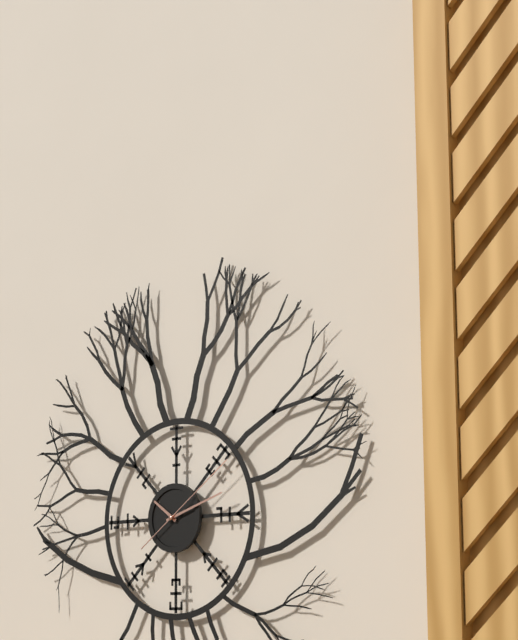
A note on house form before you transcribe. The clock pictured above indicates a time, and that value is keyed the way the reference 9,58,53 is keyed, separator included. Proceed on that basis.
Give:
10,12,09
